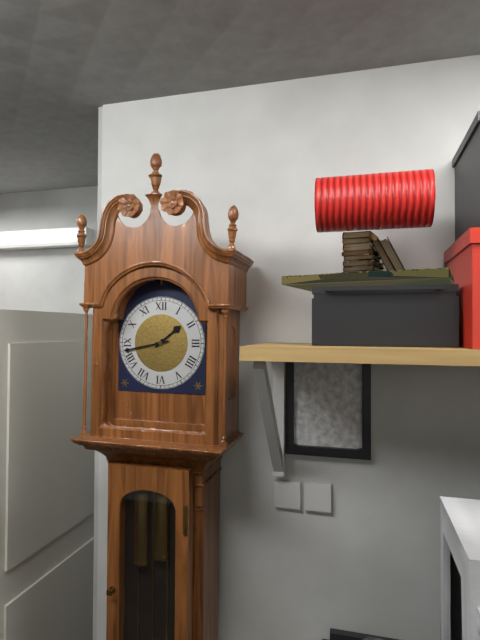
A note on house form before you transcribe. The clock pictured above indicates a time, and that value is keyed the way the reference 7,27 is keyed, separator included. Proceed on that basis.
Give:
1,43
